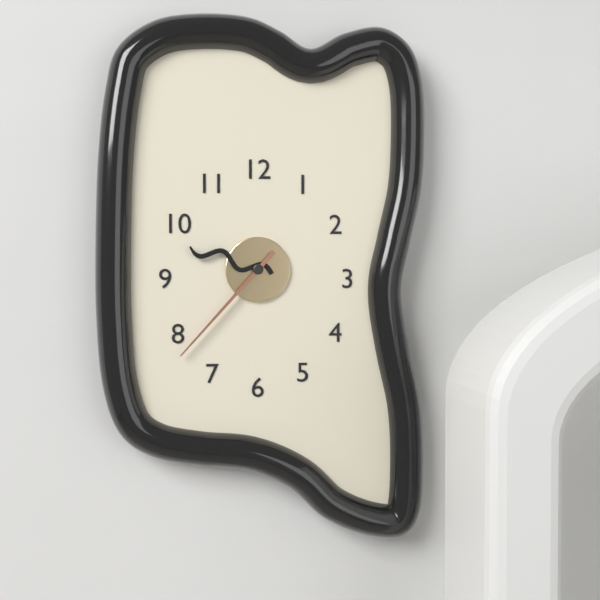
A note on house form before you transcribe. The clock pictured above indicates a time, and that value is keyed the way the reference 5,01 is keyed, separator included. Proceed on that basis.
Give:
9,37
